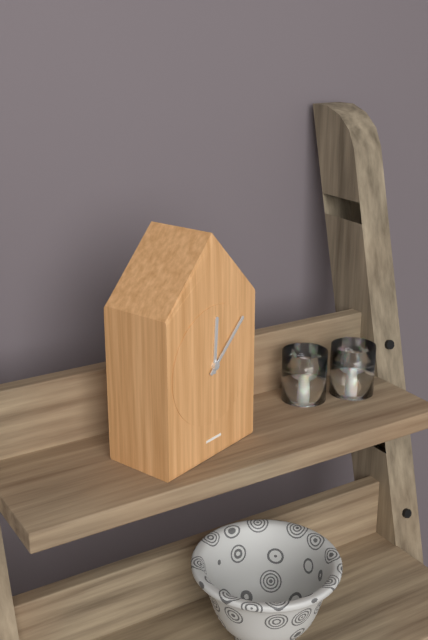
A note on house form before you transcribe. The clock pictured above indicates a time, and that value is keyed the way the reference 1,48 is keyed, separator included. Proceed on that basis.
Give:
12,08
